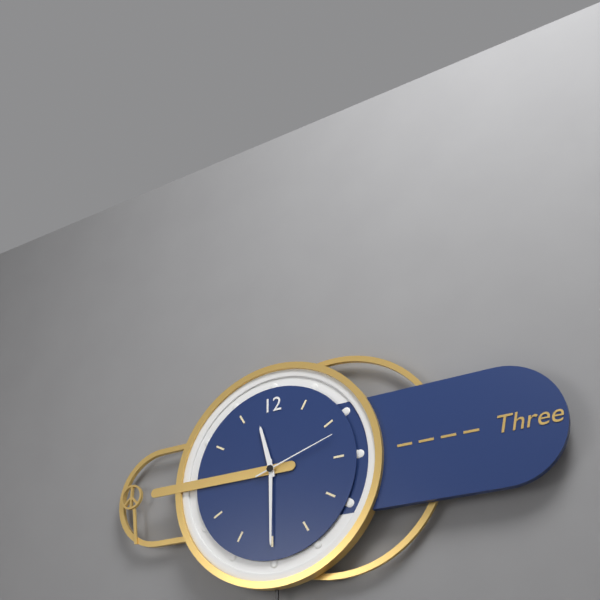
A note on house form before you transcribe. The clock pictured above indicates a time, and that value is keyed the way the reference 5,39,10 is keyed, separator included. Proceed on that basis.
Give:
11,30,12
